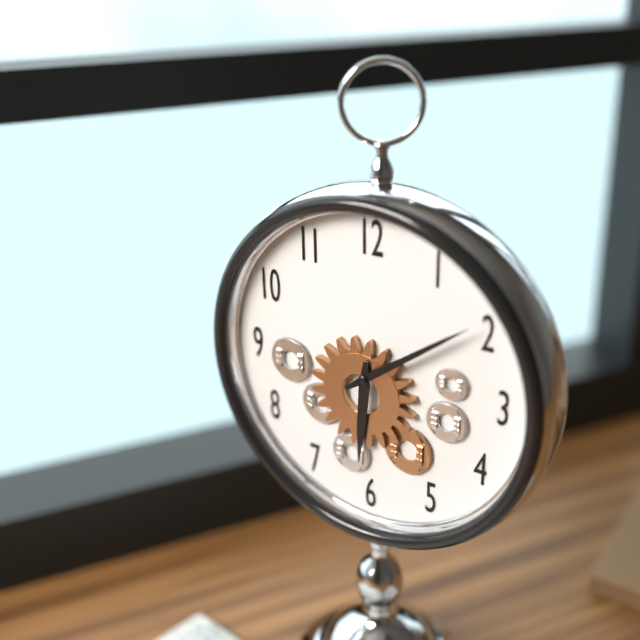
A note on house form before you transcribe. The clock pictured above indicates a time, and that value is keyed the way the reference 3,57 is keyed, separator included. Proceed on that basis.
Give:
6,09
